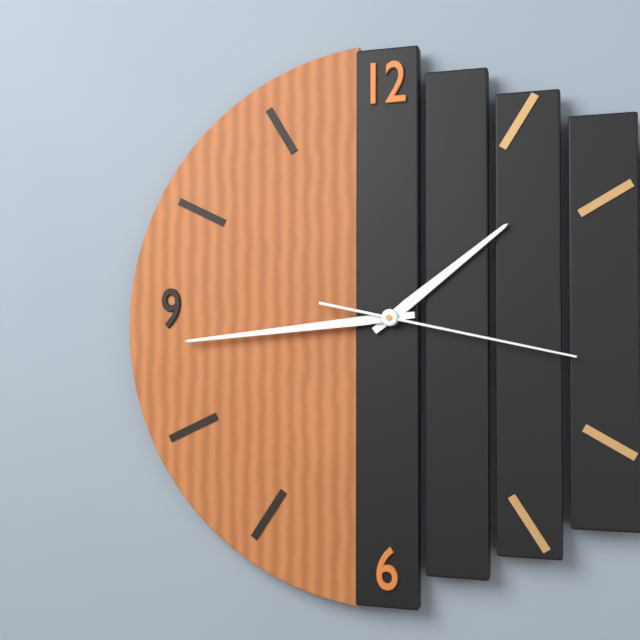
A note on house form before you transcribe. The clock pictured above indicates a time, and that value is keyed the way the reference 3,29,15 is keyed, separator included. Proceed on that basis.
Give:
1,44,17
